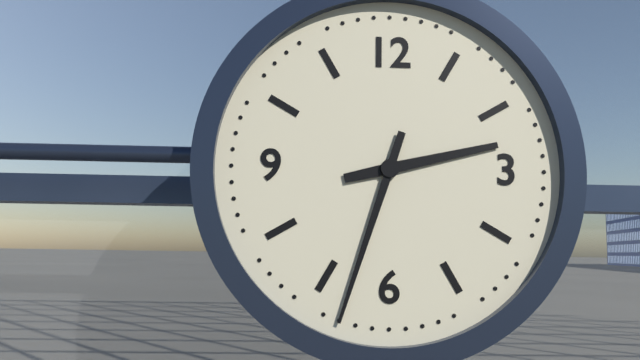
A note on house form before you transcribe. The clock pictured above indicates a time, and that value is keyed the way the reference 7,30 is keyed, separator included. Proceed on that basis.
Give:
2,33
